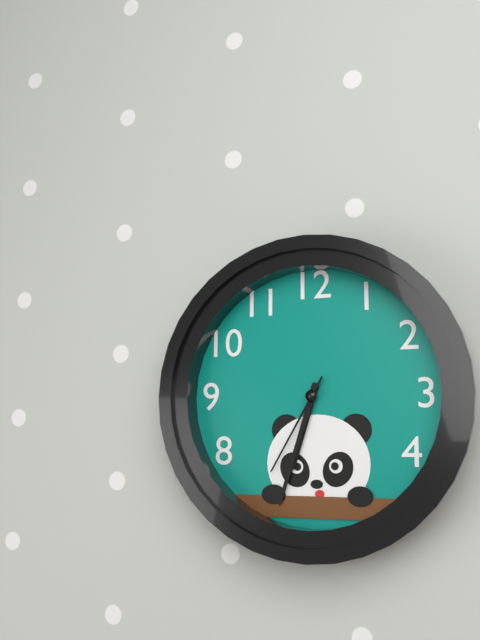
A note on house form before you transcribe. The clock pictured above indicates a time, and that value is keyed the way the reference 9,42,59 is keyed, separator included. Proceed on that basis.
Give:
6,33,35
